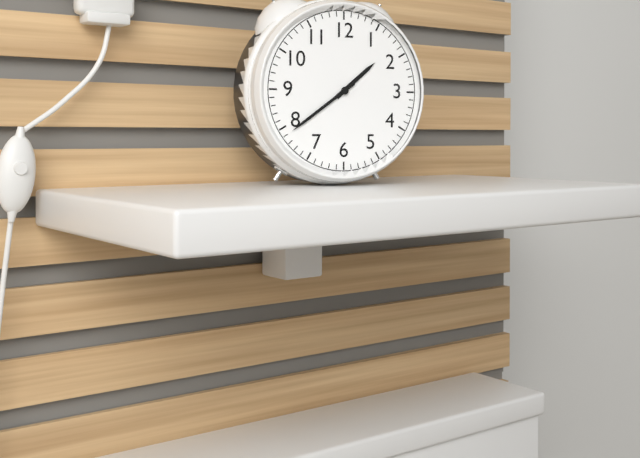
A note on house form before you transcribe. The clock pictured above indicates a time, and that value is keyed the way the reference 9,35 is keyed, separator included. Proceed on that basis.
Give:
1,39
